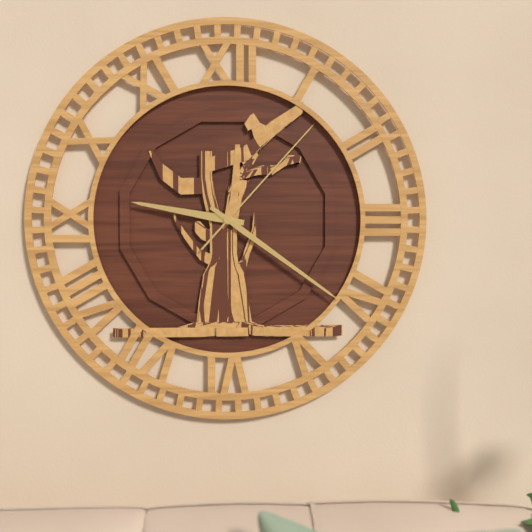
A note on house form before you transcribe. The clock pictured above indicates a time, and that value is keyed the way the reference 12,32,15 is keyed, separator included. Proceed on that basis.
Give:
9,21,07
